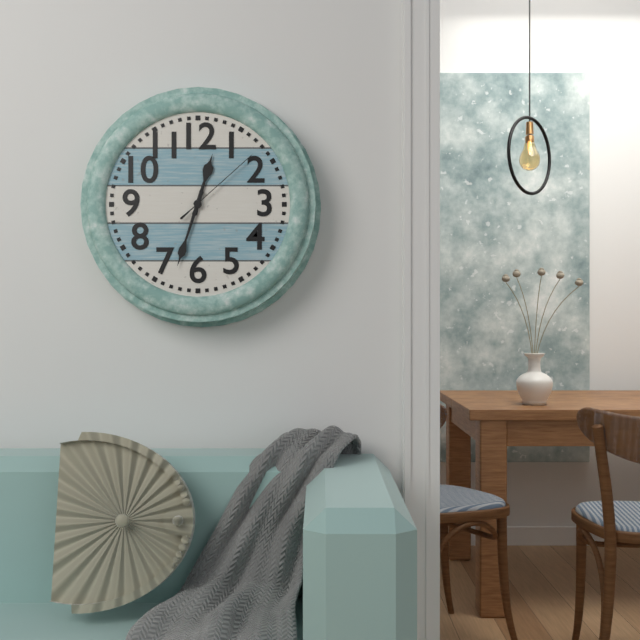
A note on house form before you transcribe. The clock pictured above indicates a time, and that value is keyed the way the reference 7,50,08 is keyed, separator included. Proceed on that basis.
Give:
12,33,08
